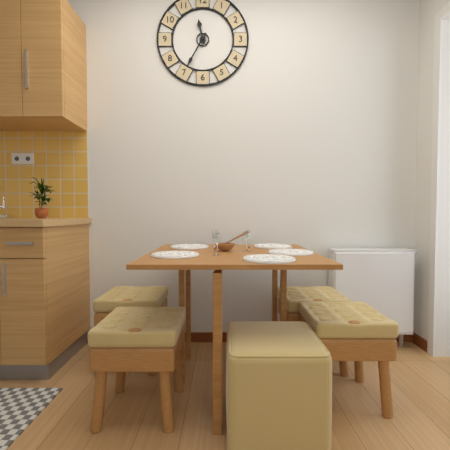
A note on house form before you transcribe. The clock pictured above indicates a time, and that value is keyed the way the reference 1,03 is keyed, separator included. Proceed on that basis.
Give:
11,35
